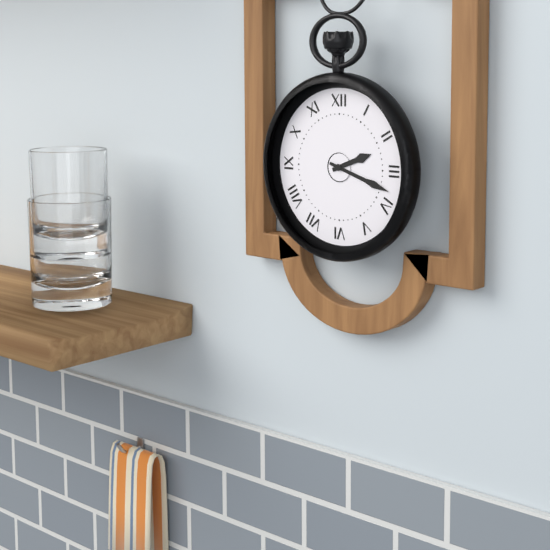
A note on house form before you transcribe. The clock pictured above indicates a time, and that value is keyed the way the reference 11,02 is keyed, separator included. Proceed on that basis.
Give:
2,18
